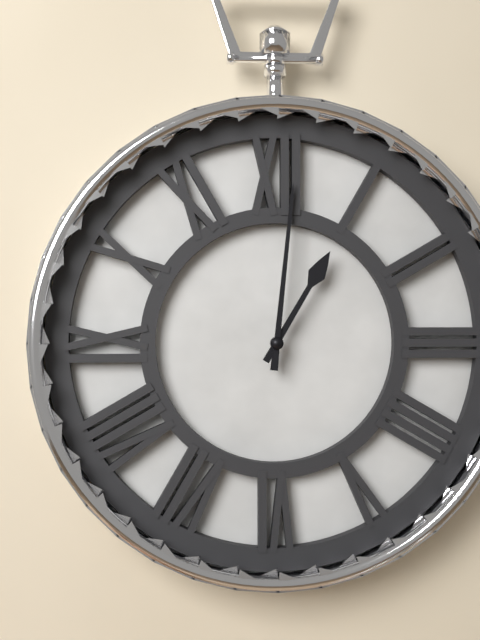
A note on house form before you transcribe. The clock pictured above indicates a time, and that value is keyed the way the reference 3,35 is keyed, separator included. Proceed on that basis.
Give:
1,01
